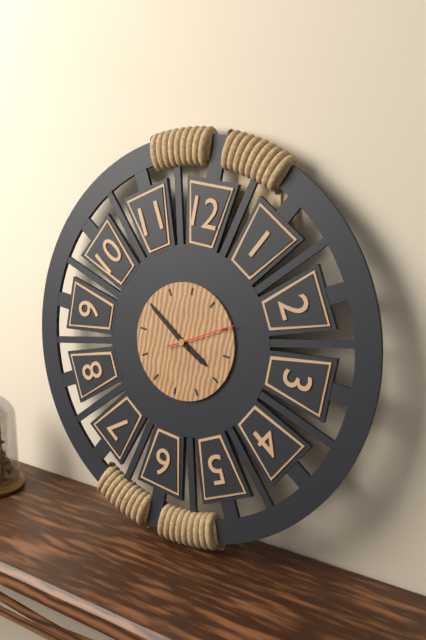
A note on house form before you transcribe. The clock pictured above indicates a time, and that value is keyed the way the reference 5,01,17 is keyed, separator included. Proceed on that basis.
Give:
3,50,10
